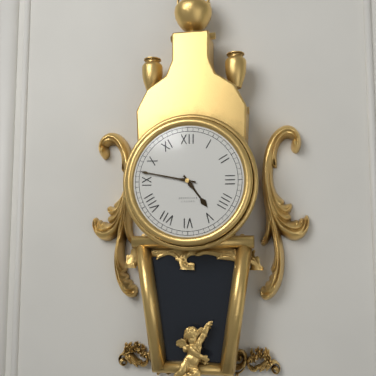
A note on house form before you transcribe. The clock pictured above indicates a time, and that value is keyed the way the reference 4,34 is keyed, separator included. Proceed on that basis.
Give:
4,47
